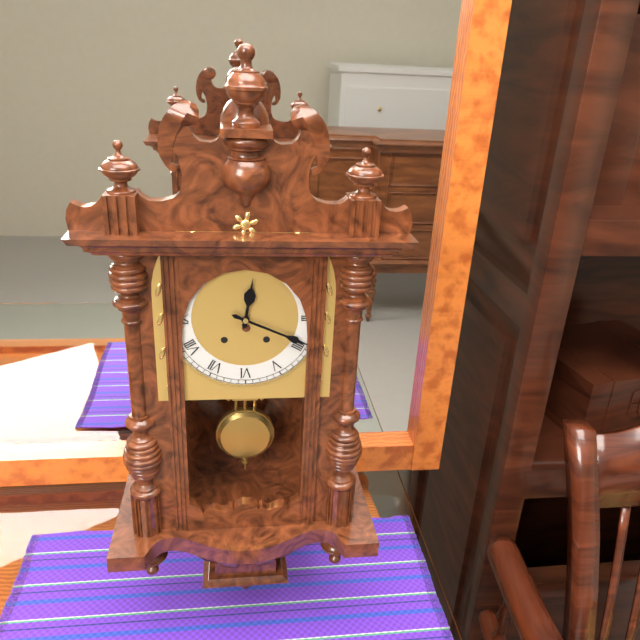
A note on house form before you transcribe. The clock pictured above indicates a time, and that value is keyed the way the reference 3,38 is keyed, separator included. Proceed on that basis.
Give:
12,19
